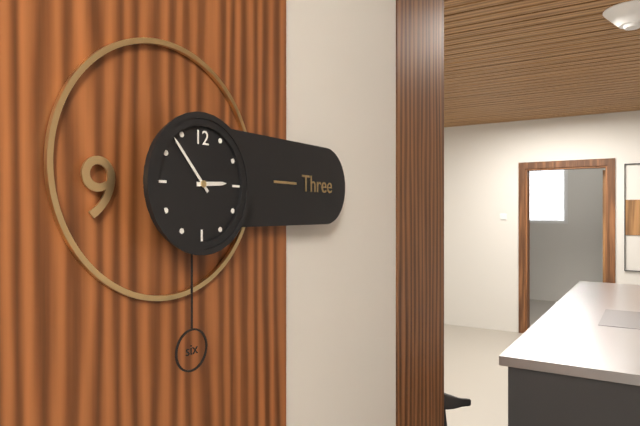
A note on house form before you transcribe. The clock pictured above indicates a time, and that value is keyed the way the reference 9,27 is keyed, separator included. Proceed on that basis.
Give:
2,53
